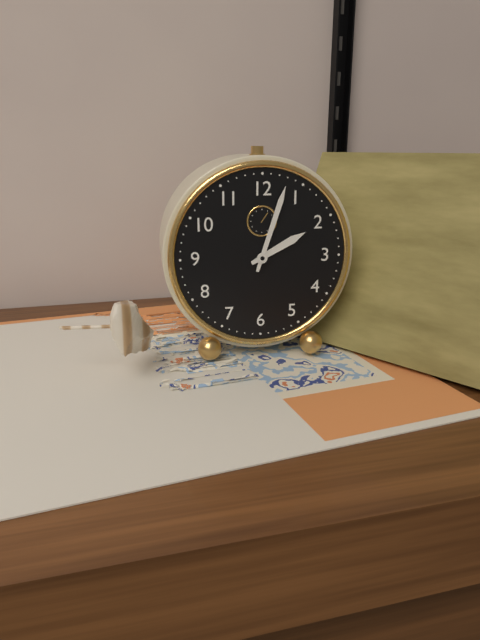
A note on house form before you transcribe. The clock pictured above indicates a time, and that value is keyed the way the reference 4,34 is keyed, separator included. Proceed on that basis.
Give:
2,03
